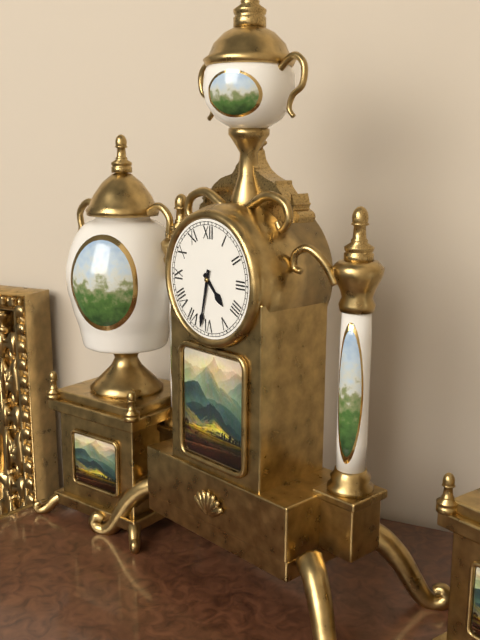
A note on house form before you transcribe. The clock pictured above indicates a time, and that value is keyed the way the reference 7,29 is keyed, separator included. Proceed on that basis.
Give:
4,32
